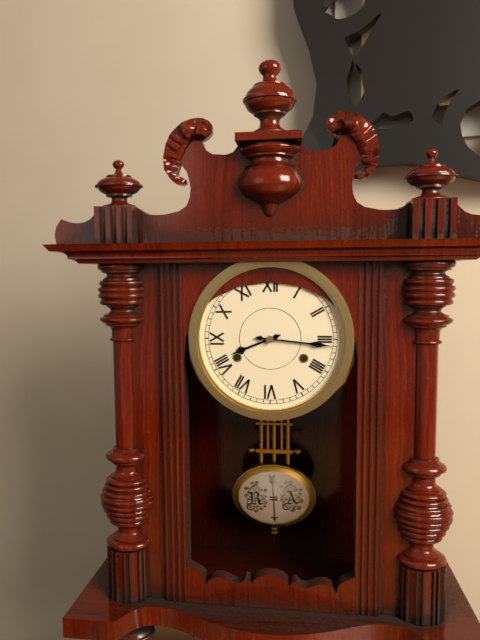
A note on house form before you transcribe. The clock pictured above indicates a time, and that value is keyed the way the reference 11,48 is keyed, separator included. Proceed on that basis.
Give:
8,16
